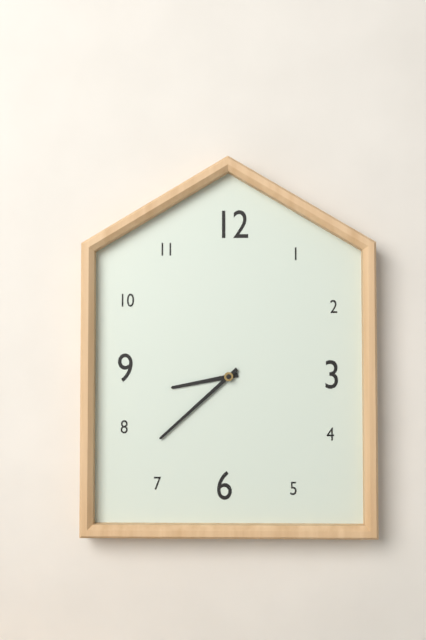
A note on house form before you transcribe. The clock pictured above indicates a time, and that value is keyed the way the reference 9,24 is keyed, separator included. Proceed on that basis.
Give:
8,38
